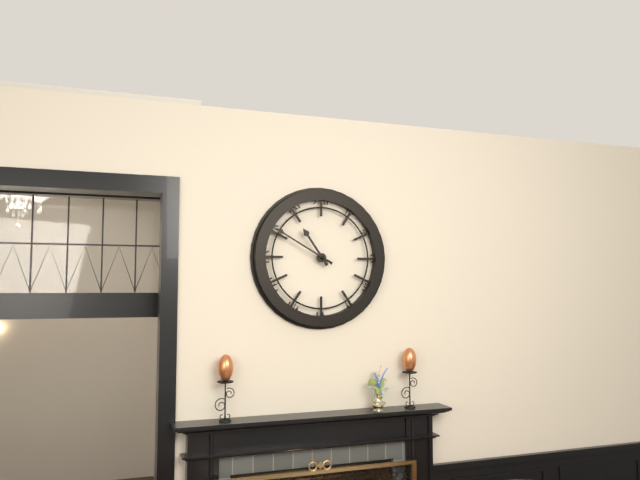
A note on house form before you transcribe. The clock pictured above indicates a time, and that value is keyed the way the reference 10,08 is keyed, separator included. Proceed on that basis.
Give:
10,50
